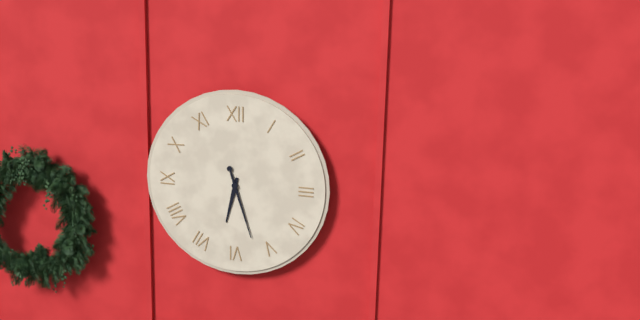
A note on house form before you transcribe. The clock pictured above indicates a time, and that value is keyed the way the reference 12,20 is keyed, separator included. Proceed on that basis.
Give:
6,27
